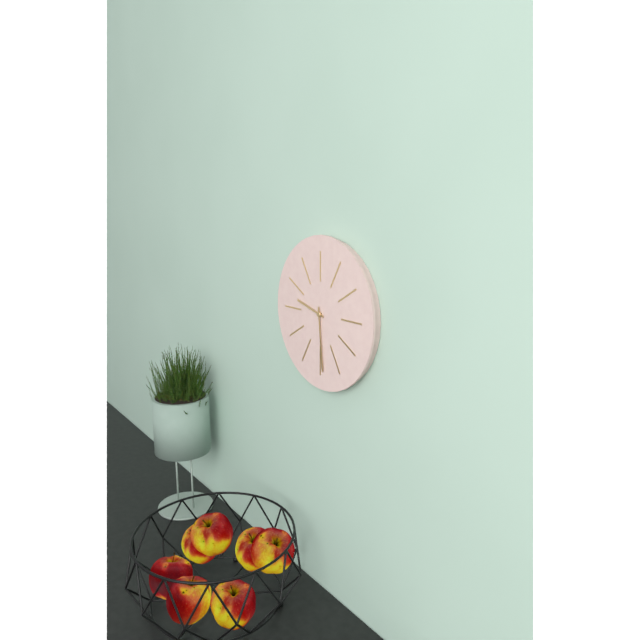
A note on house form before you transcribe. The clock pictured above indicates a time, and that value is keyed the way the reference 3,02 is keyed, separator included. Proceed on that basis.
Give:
9,29
